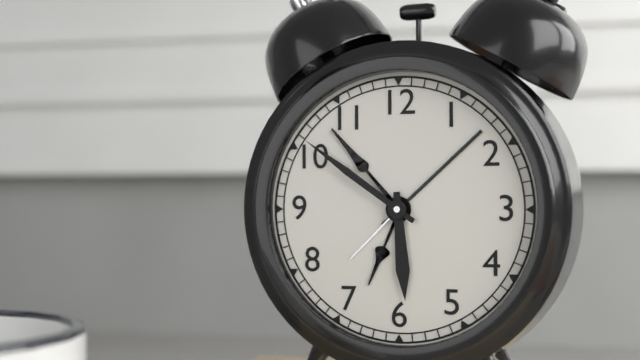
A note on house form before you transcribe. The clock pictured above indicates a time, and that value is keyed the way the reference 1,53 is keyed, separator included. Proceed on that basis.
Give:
5,51
